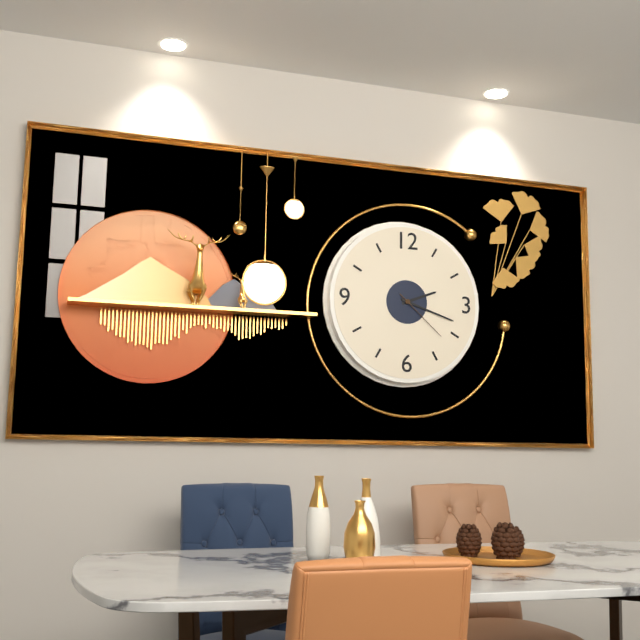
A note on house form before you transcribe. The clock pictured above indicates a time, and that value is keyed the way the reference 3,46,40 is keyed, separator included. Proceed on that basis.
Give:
2,18,22
